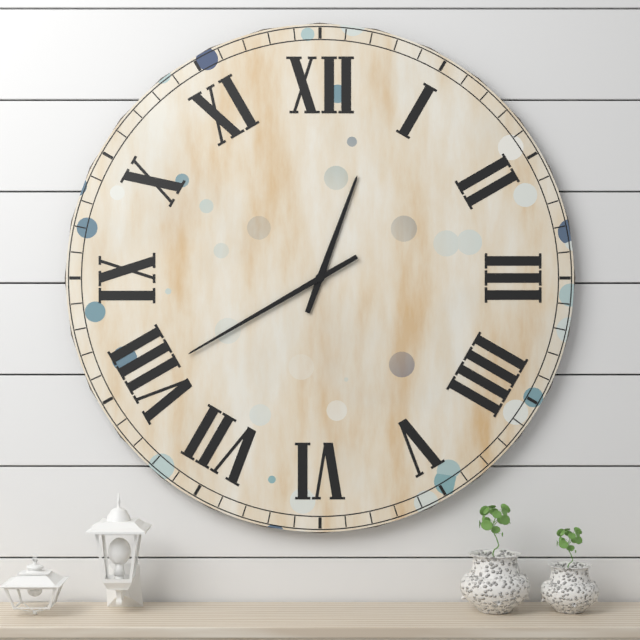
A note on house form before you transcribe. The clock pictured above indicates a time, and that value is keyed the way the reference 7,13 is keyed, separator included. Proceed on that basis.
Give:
12,40
